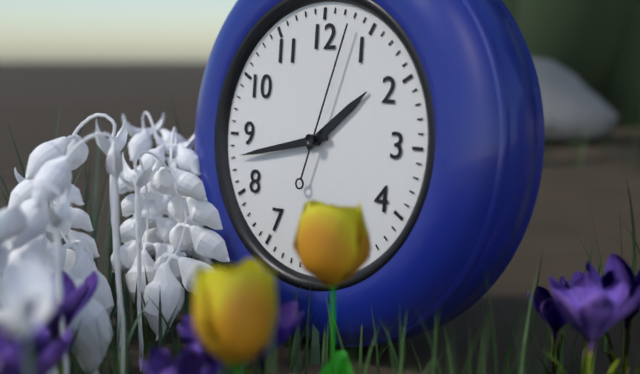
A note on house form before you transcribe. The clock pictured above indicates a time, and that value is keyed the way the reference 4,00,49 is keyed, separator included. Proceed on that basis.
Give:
1,43,03
